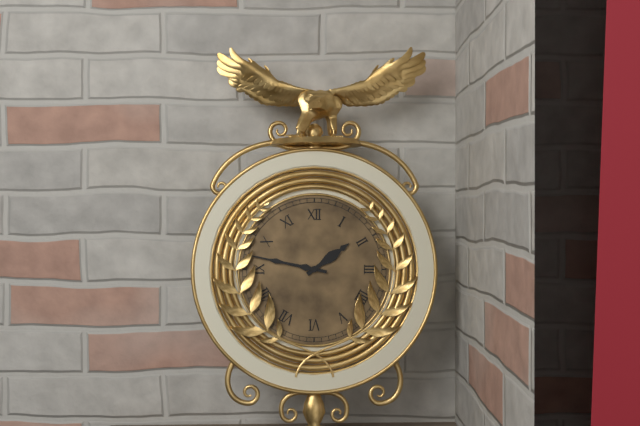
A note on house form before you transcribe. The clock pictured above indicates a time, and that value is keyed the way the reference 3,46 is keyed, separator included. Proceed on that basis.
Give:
1,47
